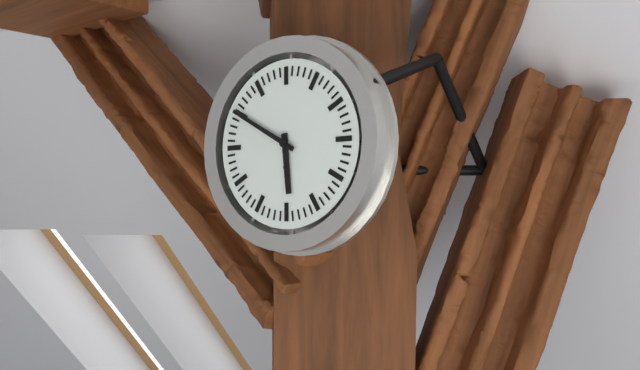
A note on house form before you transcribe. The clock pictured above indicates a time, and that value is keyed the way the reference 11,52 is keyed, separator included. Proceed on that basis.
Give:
5,50
